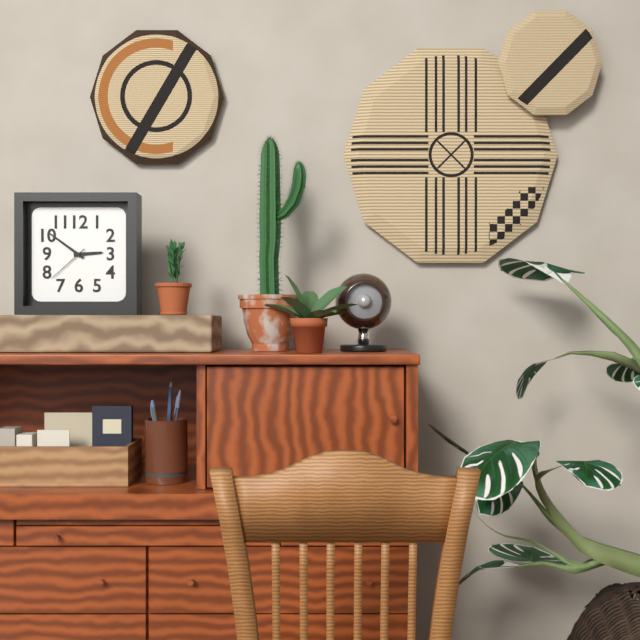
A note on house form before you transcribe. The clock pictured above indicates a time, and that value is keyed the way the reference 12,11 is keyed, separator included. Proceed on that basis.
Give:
2,51
